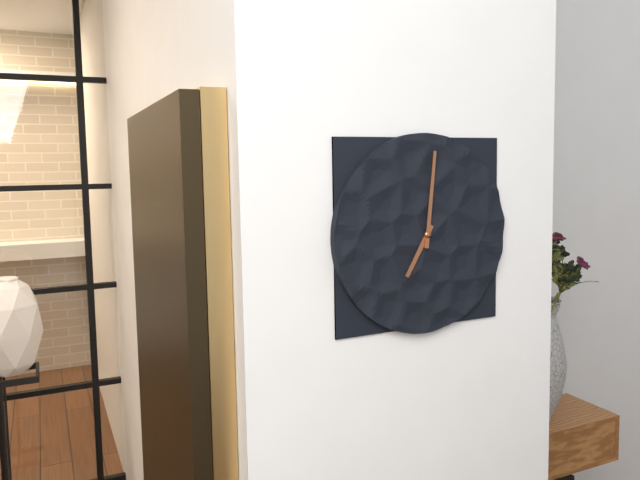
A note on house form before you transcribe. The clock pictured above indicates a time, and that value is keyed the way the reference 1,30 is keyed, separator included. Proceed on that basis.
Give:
7,01
